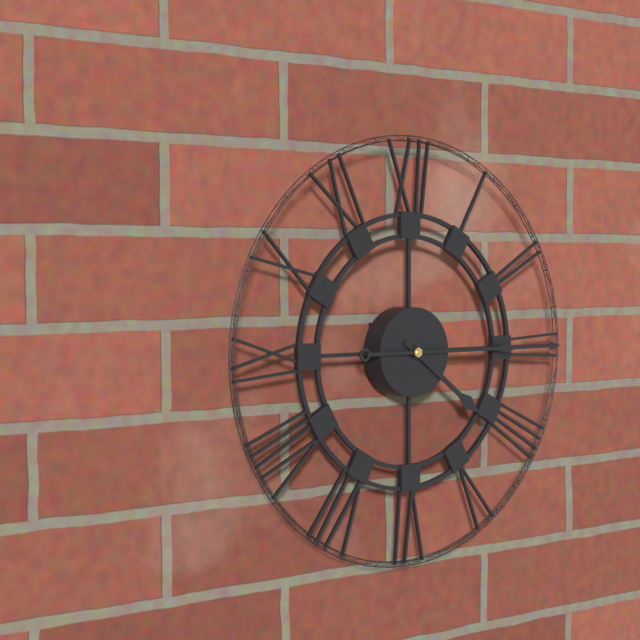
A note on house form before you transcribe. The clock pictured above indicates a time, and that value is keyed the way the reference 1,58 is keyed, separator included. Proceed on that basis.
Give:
4,15
